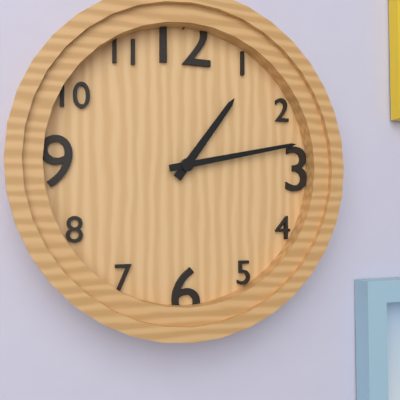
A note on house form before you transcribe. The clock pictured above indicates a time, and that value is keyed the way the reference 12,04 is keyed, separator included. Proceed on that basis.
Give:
1,13
